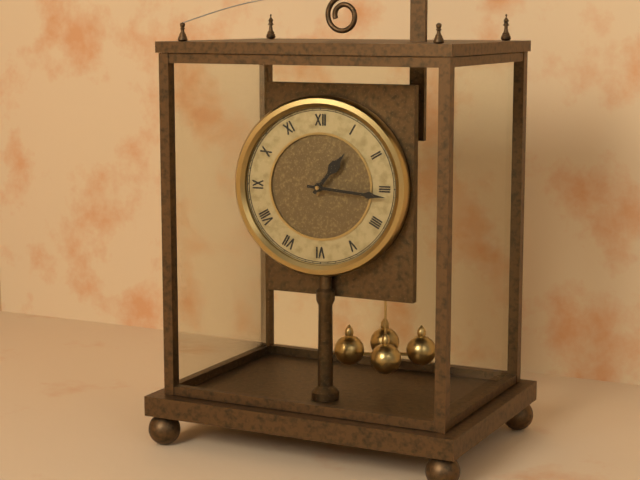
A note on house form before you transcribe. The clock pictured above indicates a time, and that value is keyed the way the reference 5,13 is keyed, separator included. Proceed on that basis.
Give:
1,16
